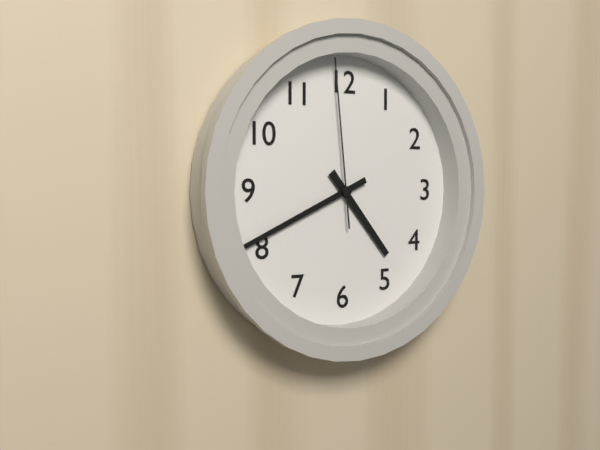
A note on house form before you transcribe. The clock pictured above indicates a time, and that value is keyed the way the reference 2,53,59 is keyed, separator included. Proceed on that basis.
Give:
4,41,59
